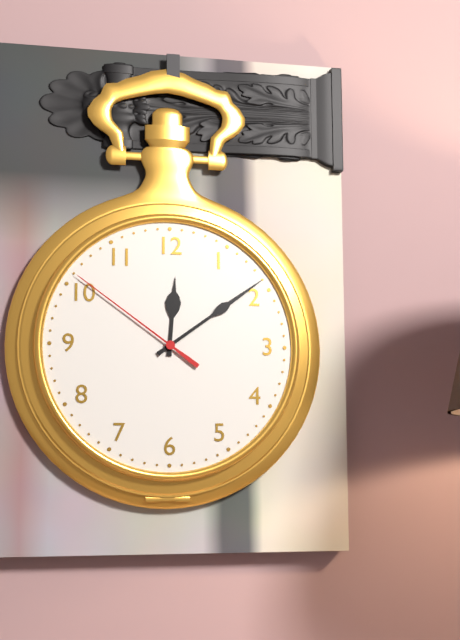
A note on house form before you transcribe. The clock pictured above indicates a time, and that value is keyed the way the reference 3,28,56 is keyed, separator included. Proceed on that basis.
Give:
12,09,51
